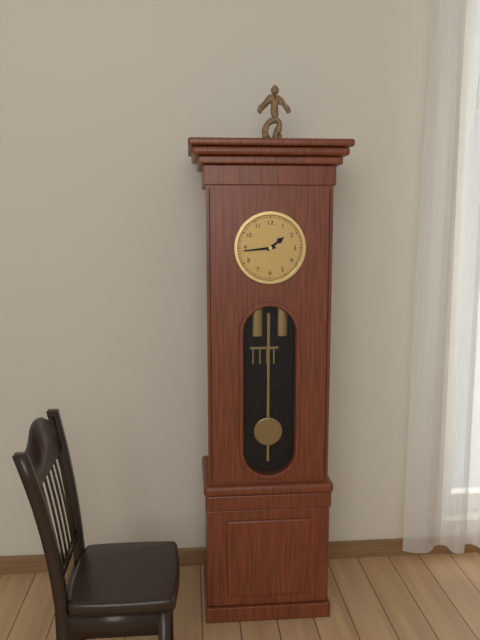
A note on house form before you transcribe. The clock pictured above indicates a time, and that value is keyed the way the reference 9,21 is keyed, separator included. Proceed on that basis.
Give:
1,44
